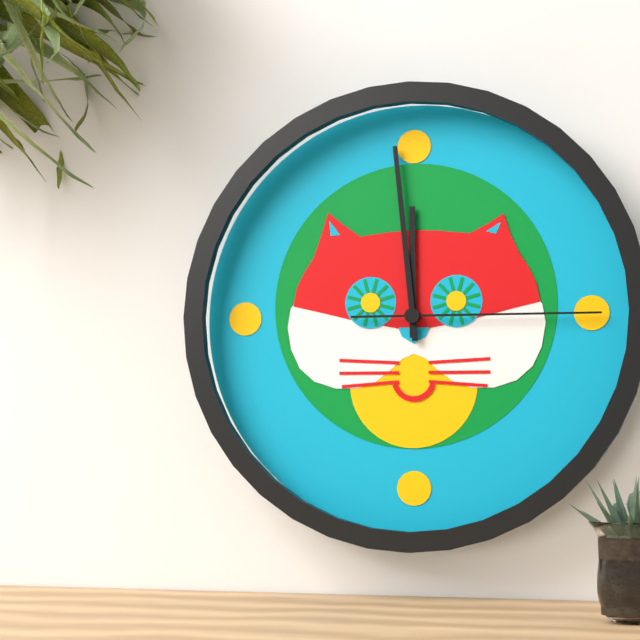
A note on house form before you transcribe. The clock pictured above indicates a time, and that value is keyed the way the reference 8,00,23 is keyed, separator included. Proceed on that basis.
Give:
11,59,15
